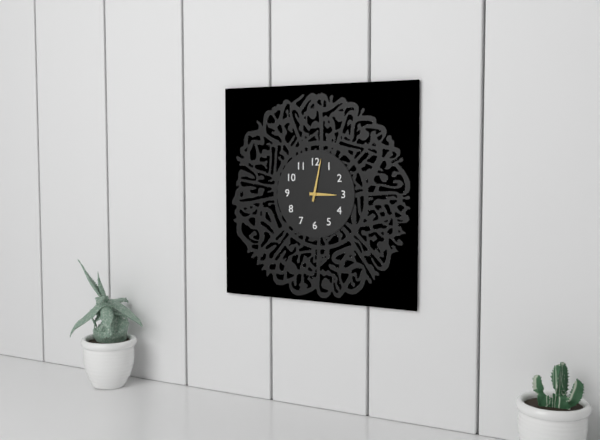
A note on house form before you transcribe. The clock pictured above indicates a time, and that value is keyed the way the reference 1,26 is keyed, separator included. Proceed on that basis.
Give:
3,02
